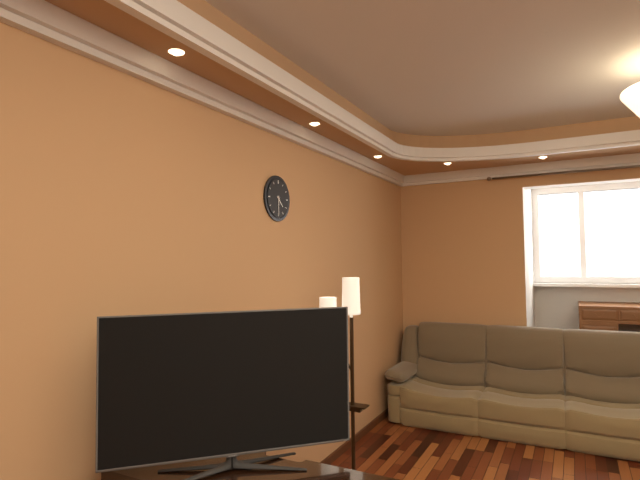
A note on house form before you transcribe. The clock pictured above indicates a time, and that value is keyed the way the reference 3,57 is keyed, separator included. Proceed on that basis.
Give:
4,30
